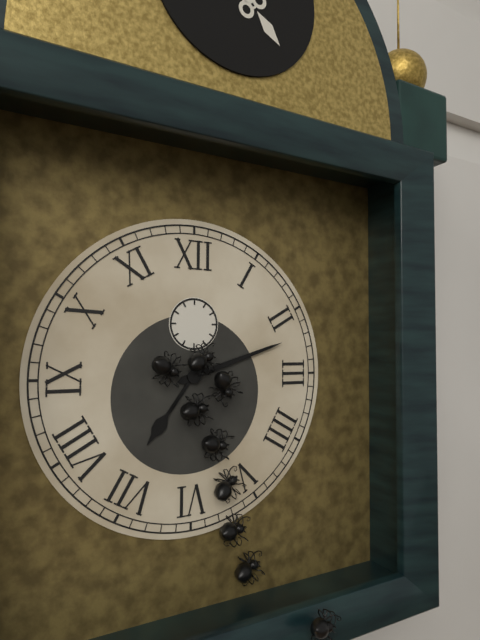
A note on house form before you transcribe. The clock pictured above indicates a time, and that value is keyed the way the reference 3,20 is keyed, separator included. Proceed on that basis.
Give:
7,12
